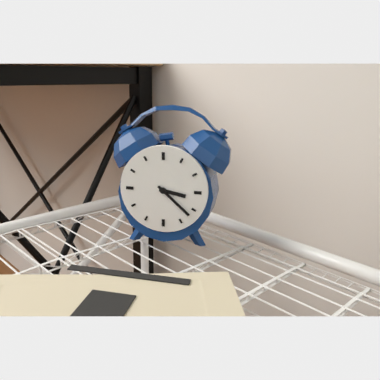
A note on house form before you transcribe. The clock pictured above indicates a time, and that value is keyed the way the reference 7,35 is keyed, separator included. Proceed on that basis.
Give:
3,22
